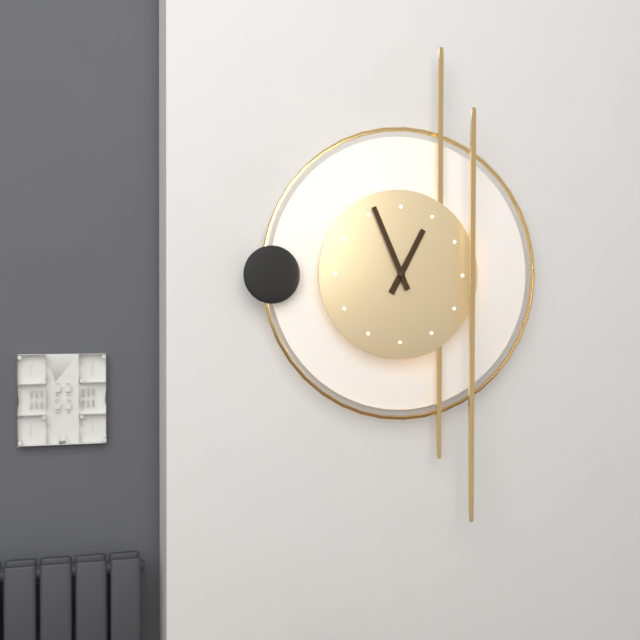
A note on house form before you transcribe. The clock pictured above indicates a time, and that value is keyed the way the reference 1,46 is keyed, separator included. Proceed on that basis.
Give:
12,56
